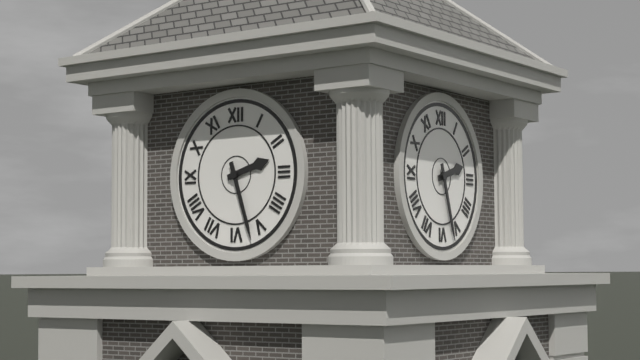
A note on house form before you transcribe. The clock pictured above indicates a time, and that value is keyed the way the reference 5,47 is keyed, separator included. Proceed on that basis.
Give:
2,27
